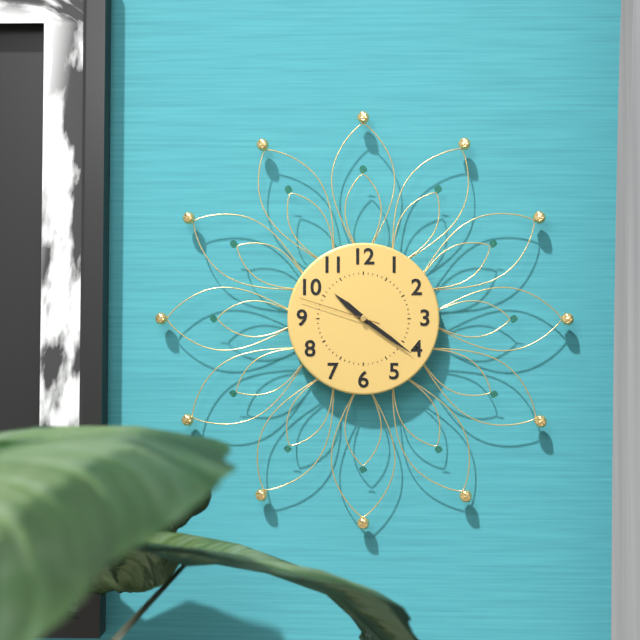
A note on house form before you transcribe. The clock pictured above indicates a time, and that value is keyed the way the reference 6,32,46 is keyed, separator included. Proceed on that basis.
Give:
10,21,48
